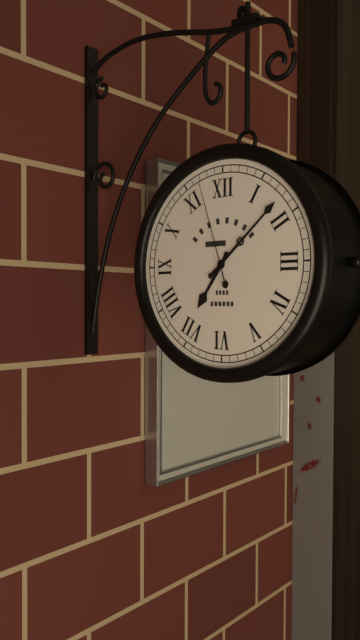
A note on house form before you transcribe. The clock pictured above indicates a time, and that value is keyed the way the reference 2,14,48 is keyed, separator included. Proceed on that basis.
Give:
7,08,57
